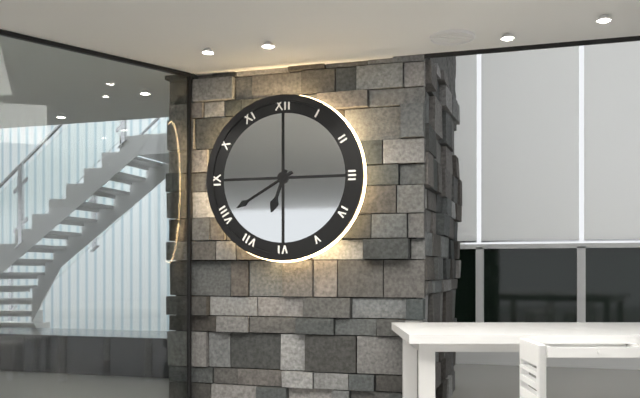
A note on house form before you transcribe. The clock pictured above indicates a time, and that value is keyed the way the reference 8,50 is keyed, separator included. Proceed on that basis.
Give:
6,40
